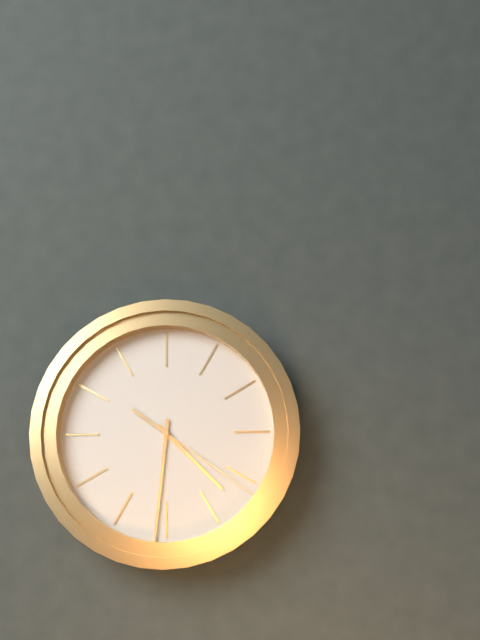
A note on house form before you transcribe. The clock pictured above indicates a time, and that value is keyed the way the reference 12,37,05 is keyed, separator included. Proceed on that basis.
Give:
4,31,21
